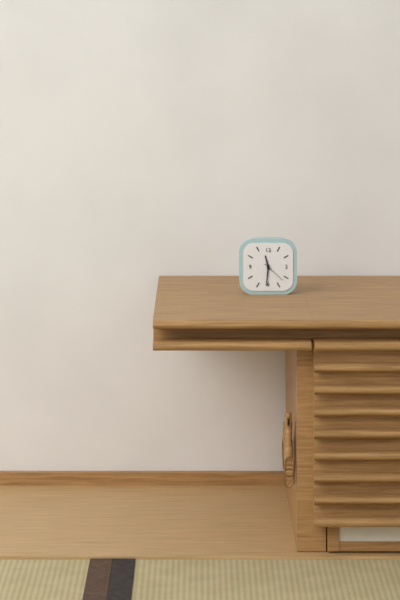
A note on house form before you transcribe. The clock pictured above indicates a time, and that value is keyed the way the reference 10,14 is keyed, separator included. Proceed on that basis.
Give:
11,31
